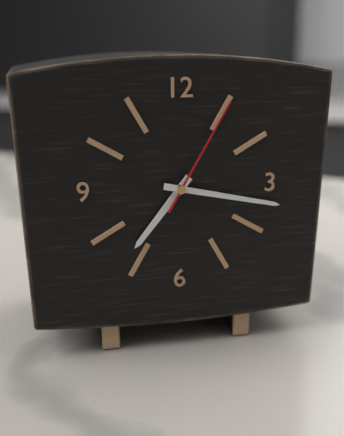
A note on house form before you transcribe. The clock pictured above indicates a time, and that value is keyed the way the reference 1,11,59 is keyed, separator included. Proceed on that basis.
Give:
7,17,05
